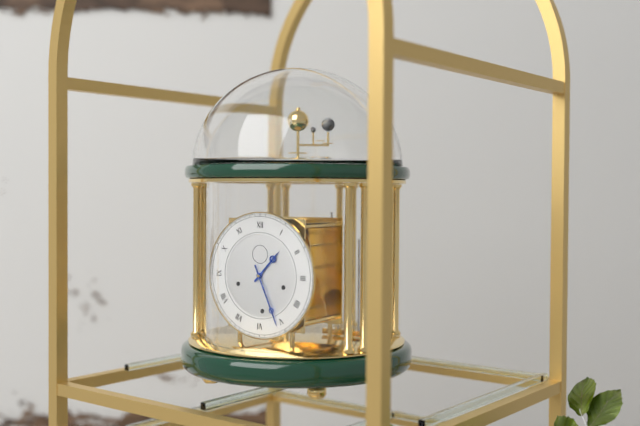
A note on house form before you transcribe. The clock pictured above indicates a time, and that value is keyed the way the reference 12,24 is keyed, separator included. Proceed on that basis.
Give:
1,26
